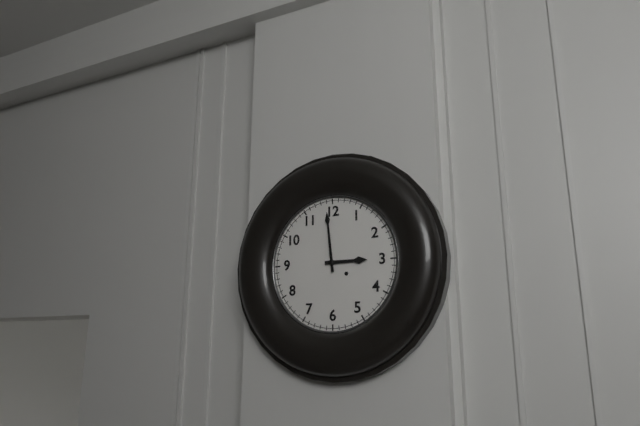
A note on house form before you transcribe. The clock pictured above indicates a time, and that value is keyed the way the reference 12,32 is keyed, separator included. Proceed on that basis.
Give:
2,59
